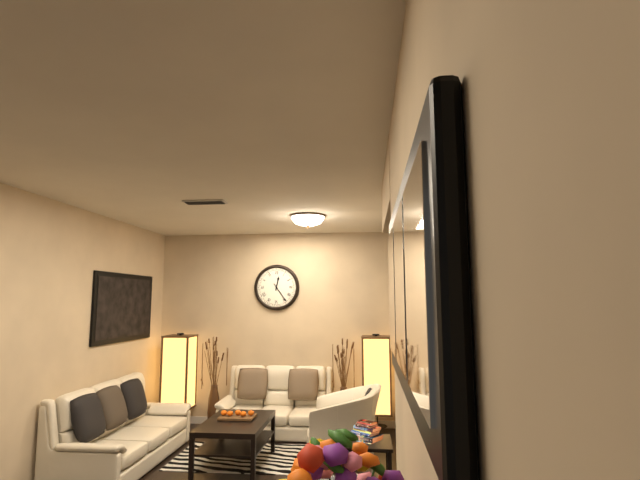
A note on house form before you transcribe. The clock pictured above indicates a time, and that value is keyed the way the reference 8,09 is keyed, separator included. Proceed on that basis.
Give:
12,24
